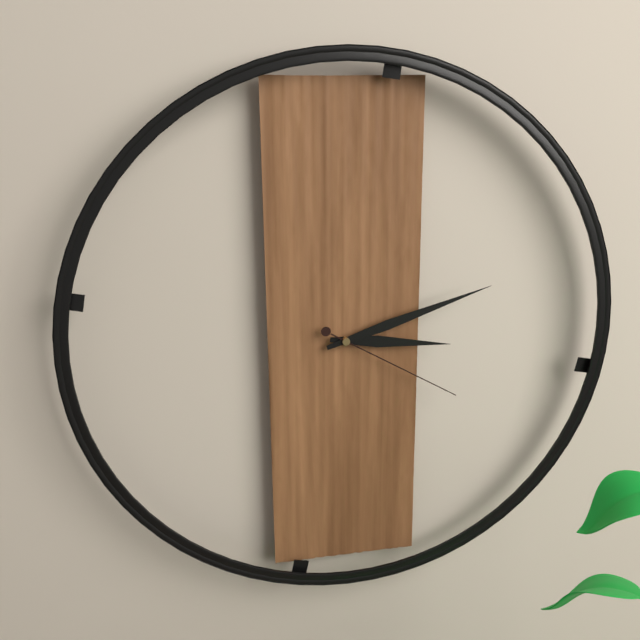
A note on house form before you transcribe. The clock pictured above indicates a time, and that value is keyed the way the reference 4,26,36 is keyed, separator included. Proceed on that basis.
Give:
3,12,20
